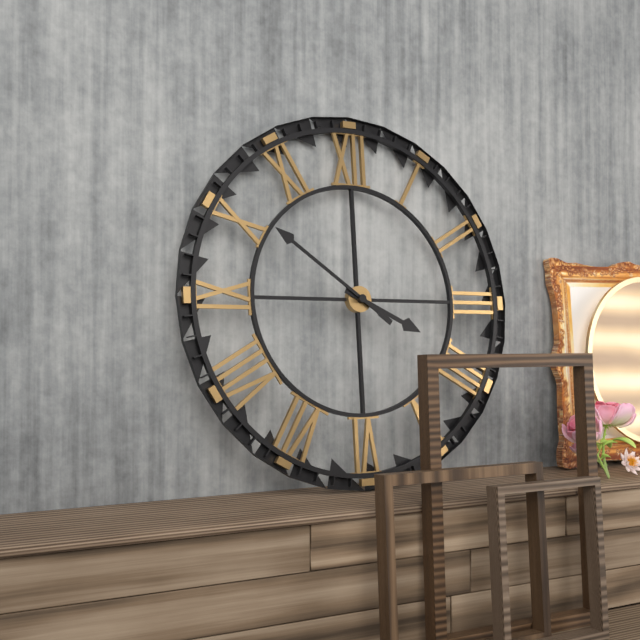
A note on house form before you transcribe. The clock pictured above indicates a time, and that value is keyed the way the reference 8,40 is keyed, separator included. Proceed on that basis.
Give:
3,51
